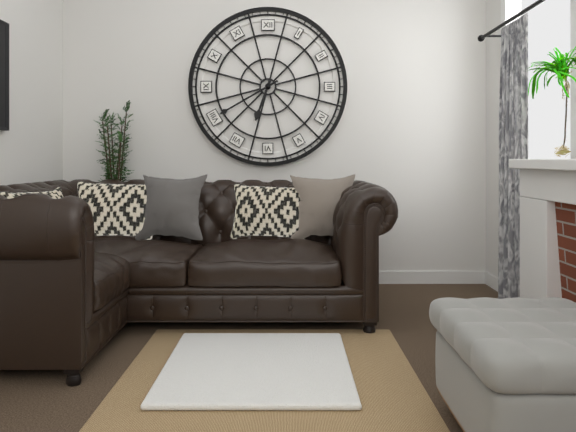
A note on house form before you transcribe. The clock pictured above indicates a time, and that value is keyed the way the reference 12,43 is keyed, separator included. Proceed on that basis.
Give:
6,40
